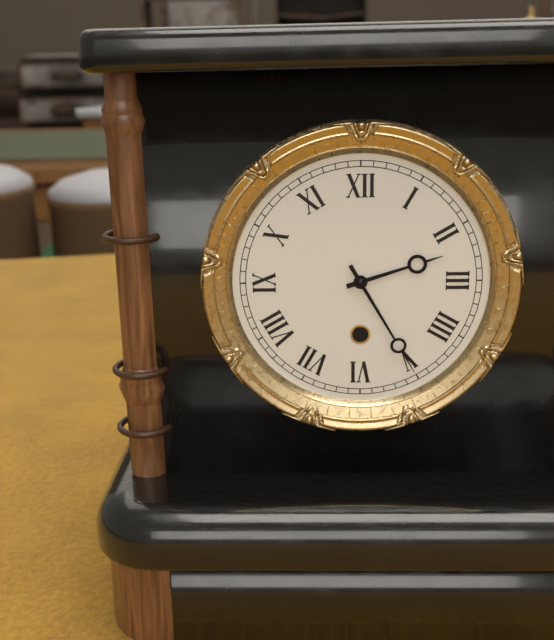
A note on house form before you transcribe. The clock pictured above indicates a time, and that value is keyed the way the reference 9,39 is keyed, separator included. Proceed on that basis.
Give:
2,25
